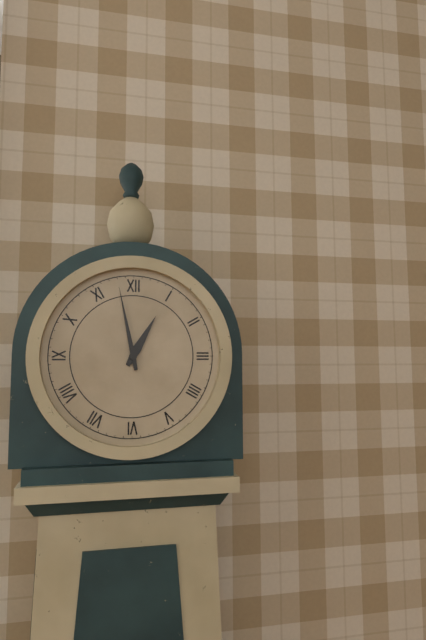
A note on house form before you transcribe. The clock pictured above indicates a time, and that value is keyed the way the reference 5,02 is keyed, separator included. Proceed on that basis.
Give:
12,58
